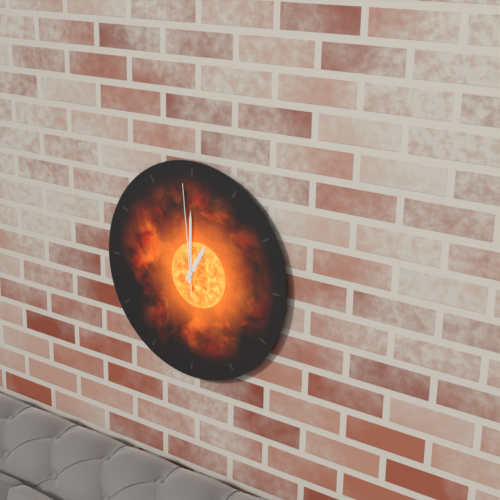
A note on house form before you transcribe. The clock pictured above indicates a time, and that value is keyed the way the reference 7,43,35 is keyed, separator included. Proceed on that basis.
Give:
1,00,59
